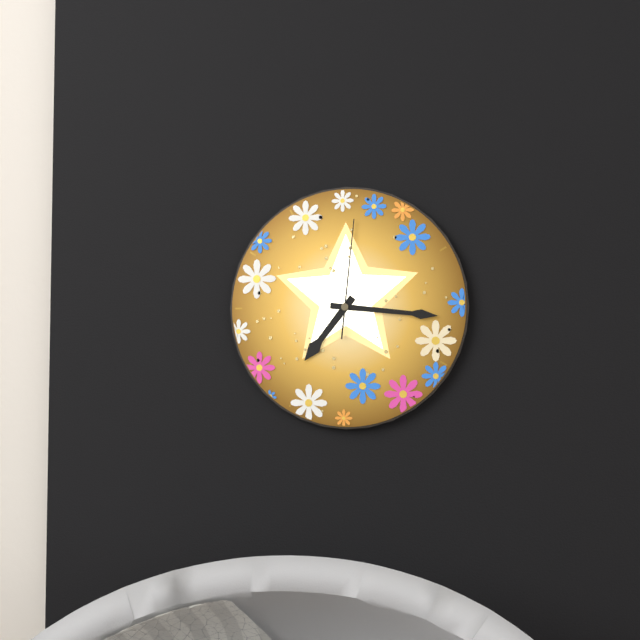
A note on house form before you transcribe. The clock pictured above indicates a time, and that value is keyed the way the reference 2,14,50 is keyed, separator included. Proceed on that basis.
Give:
7,16,01
